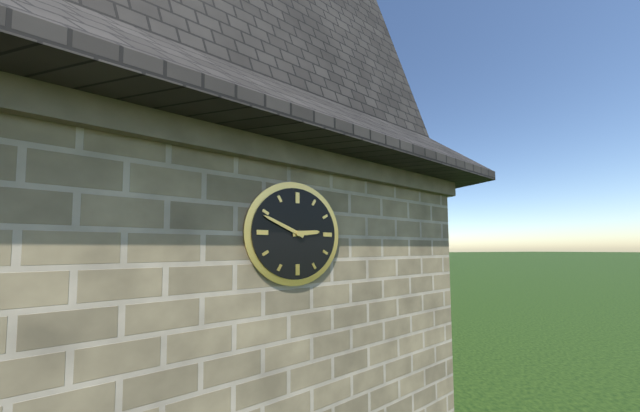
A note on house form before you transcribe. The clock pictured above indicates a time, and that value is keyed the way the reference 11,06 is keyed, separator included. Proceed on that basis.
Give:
2,49
